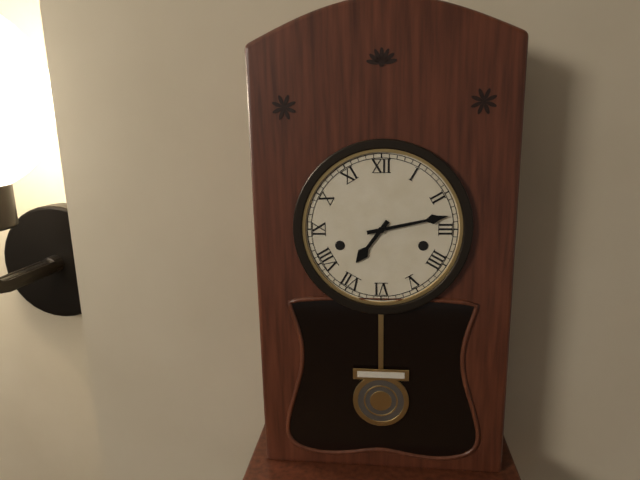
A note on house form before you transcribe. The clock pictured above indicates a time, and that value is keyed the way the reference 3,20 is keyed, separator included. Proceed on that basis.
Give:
7,13
